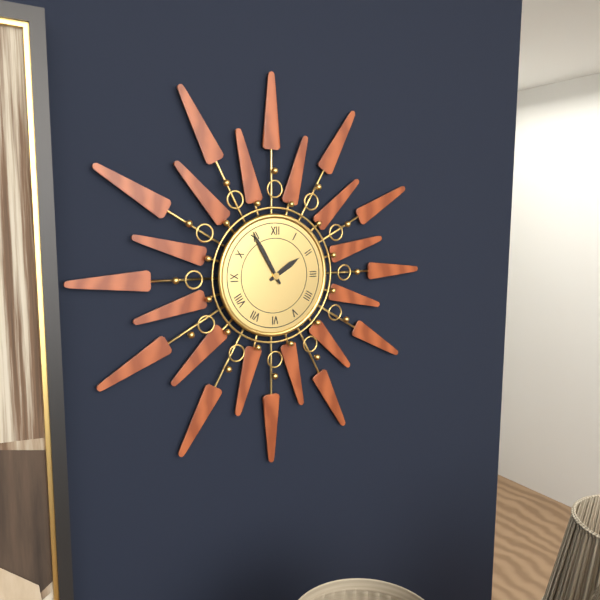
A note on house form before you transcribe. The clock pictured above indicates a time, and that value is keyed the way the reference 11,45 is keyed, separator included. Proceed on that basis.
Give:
1,55
